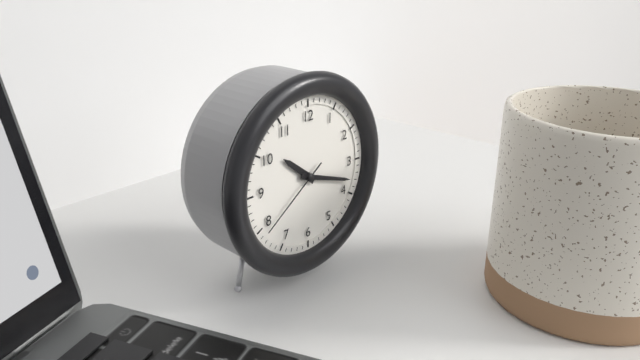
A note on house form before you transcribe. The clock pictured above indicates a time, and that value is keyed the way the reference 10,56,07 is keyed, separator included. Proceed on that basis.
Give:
10,18,39
